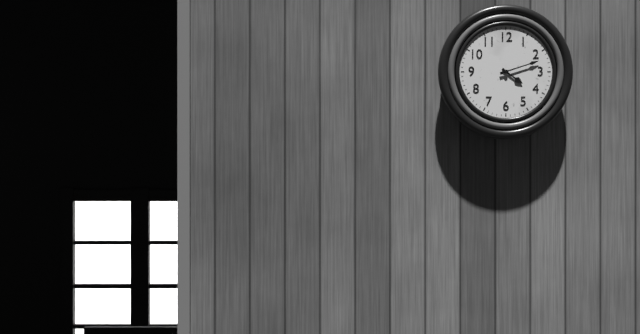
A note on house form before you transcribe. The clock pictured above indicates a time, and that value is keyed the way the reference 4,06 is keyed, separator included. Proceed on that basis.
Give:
4,12
